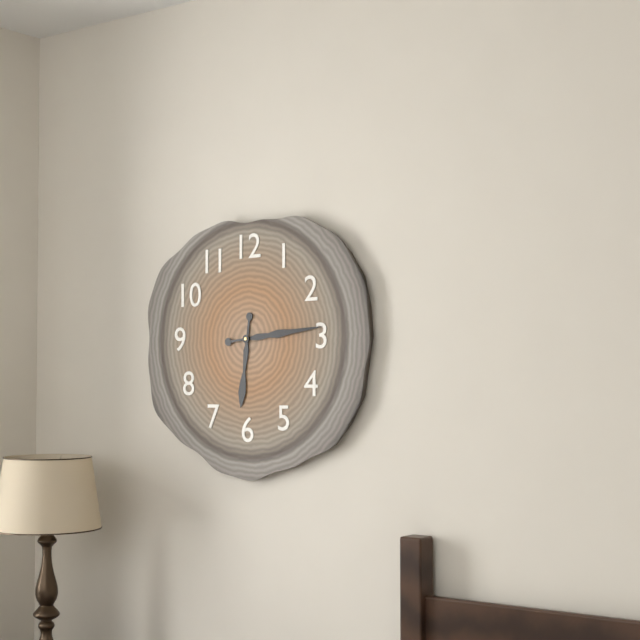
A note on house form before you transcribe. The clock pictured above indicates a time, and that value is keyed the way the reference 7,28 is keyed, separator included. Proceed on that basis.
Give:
6,14
